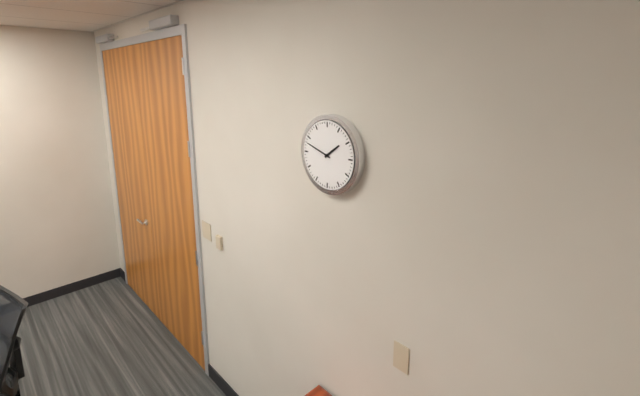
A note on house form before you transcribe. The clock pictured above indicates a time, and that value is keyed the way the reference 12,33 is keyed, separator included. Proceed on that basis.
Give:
1,48
